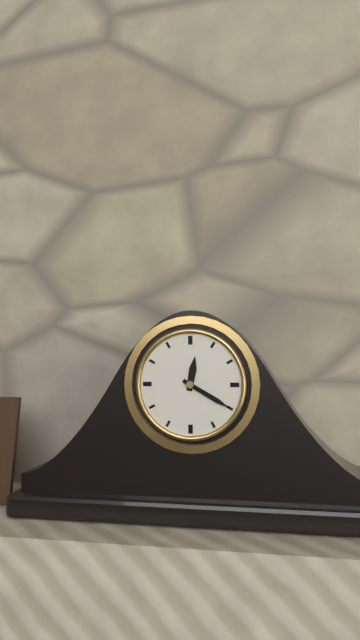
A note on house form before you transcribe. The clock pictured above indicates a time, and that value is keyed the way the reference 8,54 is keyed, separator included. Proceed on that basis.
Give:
12,20
